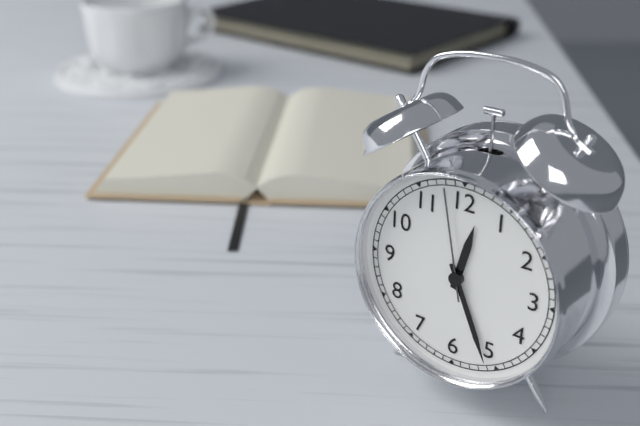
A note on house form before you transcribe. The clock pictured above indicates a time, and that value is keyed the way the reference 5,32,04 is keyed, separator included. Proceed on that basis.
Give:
12,26,58
